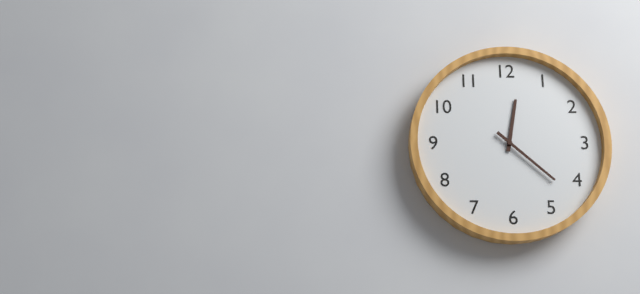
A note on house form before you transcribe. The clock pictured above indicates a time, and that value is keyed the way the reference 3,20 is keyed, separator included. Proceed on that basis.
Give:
12,22
